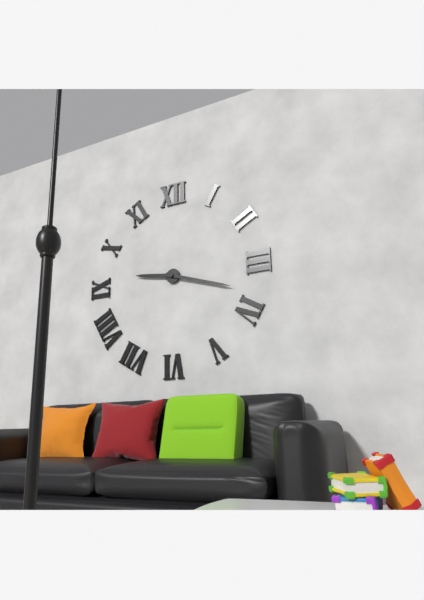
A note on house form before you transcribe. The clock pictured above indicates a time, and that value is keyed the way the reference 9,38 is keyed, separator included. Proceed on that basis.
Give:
9,18
